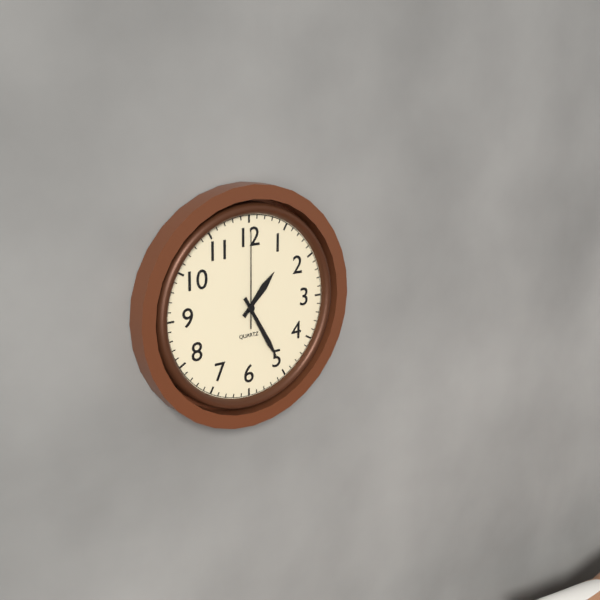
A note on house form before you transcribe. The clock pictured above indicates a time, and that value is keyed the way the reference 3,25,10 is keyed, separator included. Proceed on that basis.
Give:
1,25,00
